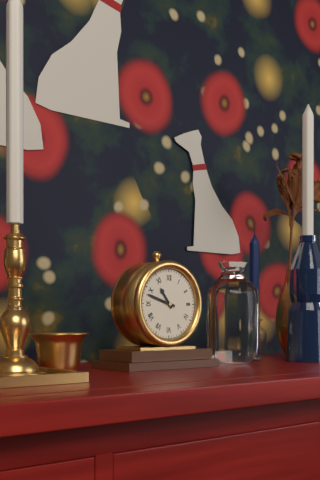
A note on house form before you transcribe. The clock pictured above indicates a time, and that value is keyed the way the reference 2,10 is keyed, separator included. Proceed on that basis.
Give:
10,48
